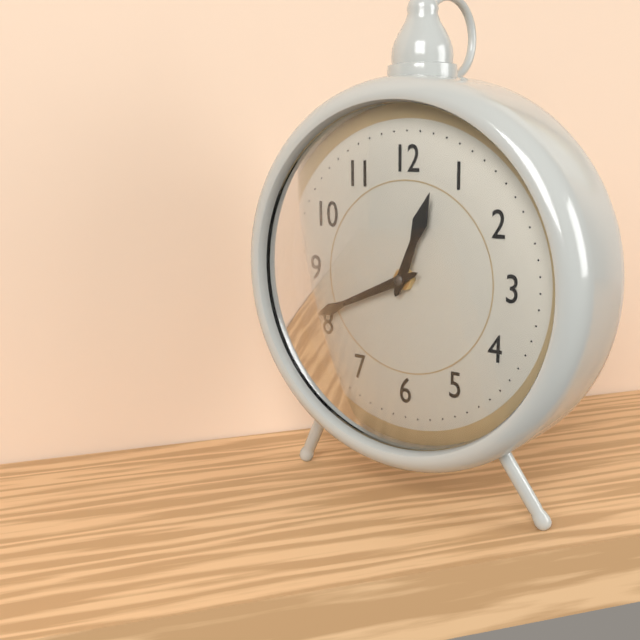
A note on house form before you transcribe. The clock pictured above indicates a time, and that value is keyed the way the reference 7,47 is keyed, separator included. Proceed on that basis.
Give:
12,41
